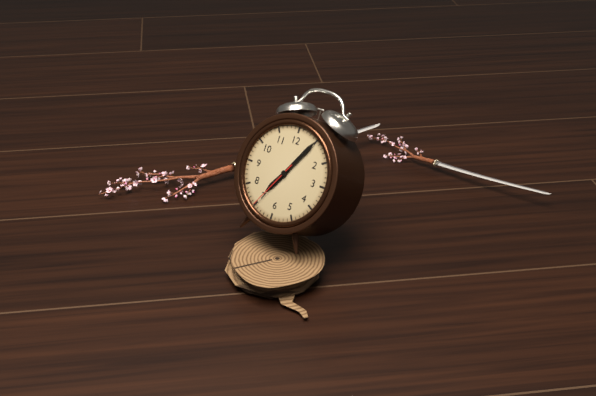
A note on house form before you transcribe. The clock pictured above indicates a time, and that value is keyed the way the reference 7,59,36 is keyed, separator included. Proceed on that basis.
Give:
7,05,35
